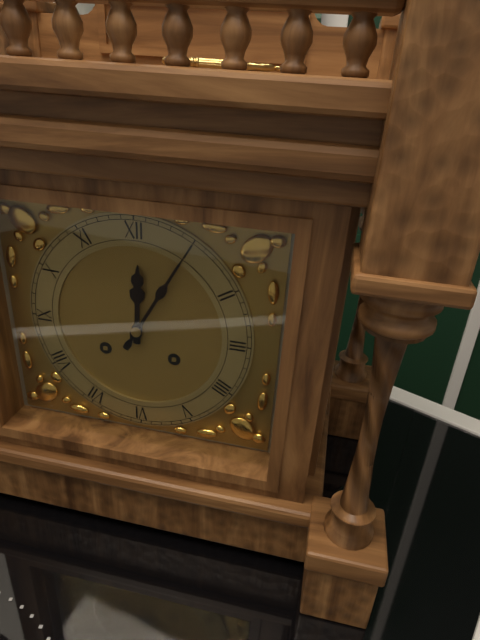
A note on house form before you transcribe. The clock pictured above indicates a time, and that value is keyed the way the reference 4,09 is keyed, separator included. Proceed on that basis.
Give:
12,05
